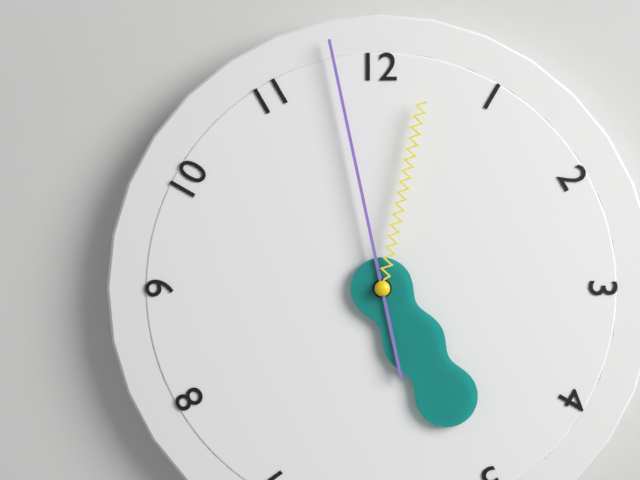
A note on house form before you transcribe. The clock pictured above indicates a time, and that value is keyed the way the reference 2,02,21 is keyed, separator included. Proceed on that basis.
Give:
4,58,02
